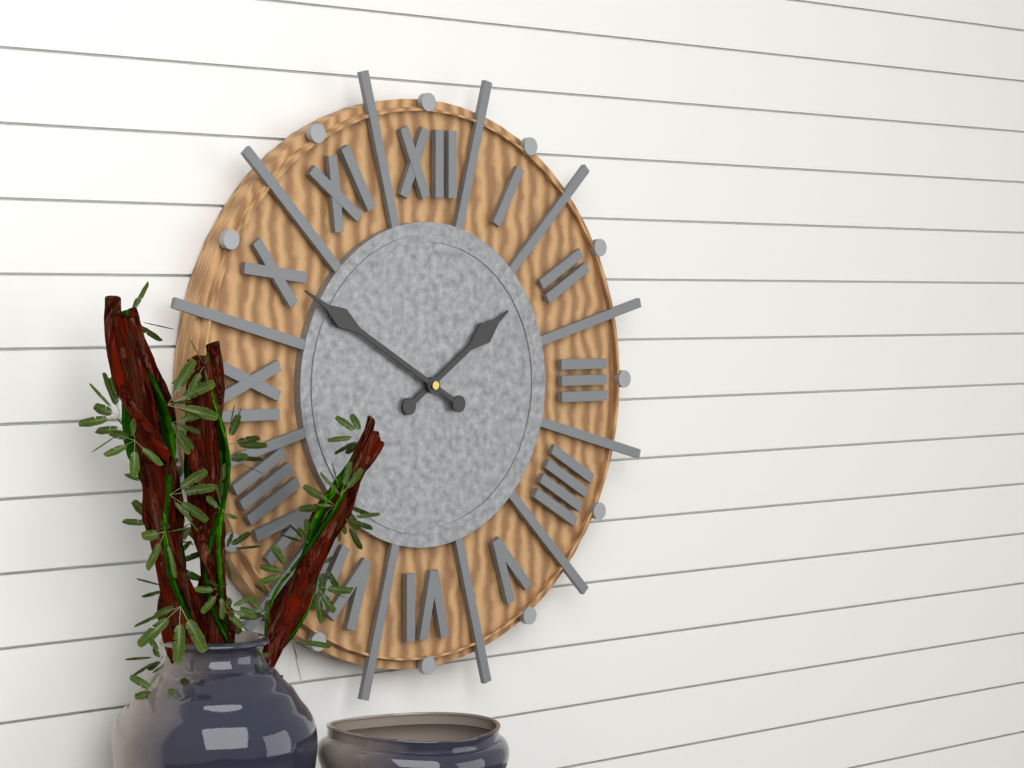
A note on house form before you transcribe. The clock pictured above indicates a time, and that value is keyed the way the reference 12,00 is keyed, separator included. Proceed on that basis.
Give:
1,50
